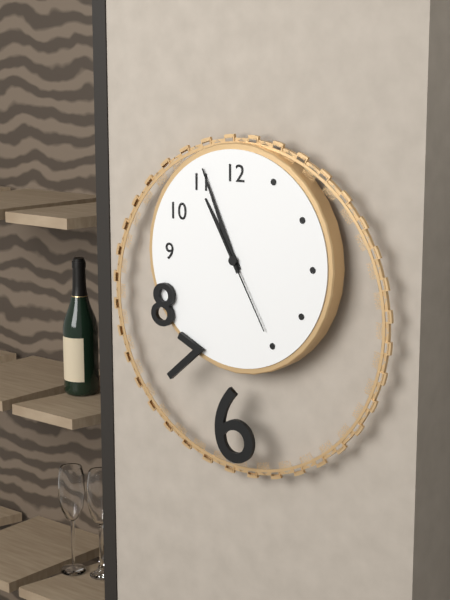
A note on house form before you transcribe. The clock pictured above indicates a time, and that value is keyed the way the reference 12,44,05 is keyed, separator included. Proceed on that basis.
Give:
10,56,25
